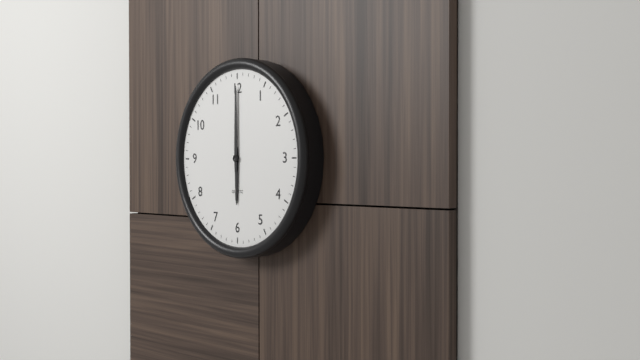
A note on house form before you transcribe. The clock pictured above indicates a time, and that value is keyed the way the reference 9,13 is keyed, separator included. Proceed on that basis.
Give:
6,00
